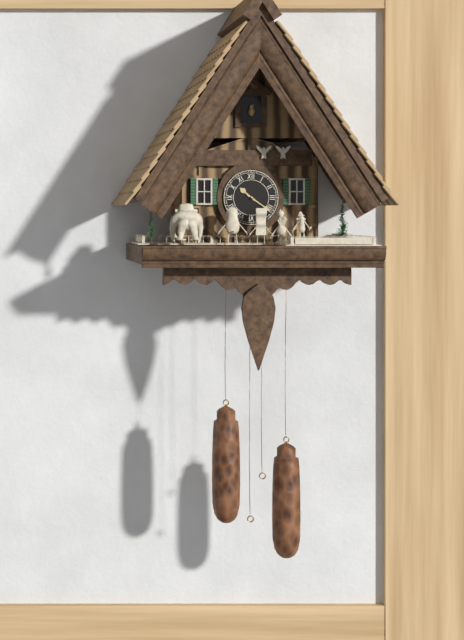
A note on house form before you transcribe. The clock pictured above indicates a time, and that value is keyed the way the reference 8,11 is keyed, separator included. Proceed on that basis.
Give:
10,21
